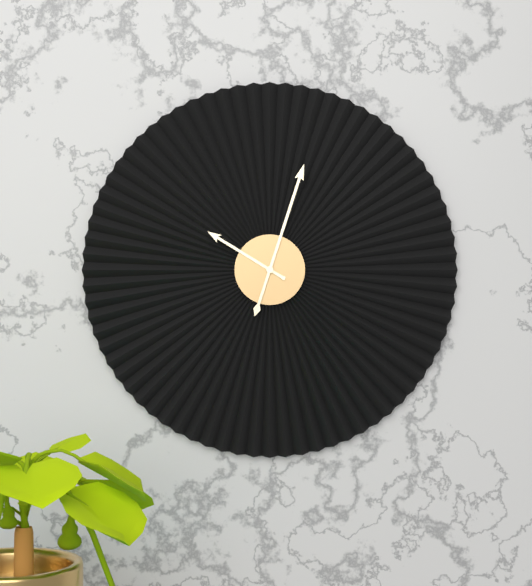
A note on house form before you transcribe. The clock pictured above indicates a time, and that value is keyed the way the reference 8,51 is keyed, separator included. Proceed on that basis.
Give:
10,03
